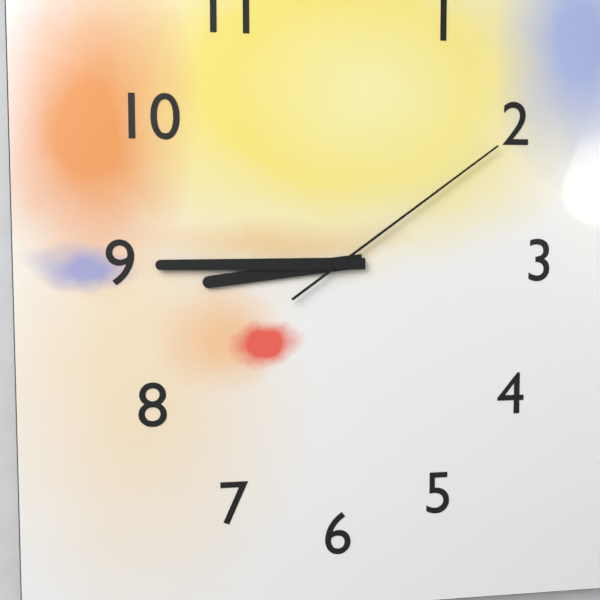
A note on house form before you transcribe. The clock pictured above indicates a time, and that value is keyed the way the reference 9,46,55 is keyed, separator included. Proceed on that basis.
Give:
8,45,09
